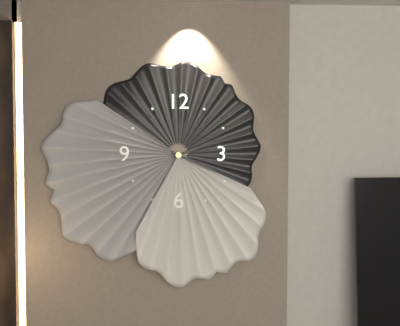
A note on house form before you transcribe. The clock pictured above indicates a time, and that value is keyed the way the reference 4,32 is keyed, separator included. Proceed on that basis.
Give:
2,19
